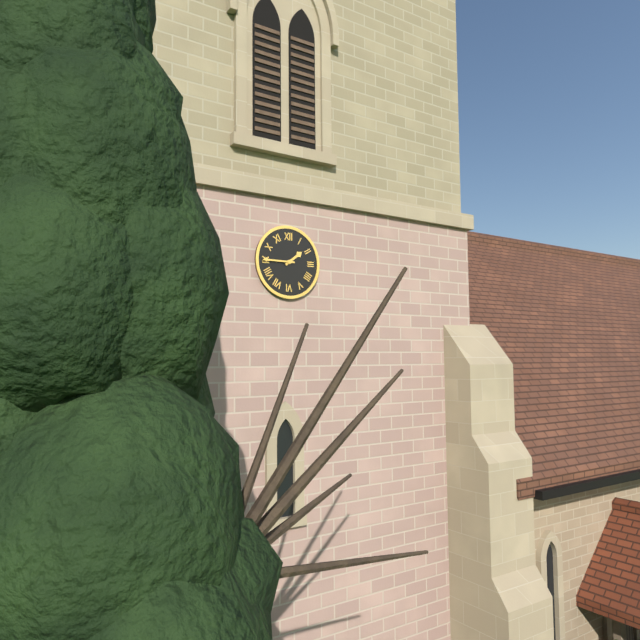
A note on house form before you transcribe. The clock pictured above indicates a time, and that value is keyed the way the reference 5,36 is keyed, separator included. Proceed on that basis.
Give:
1,45
